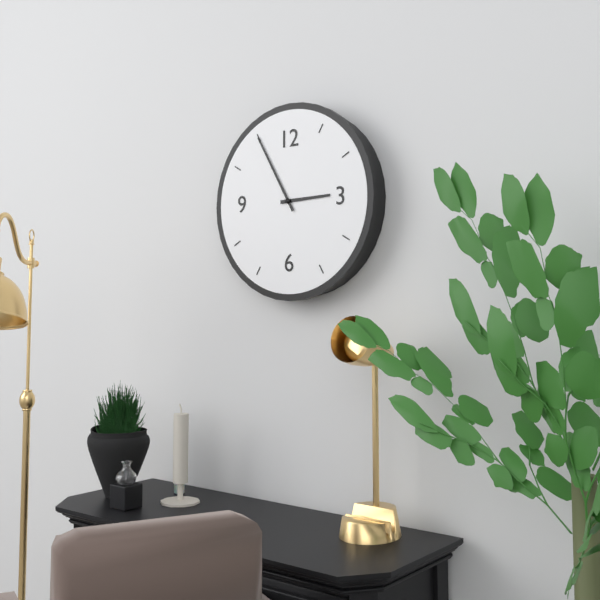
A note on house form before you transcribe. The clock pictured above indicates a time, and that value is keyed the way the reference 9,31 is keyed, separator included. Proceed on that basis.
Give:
2,55
